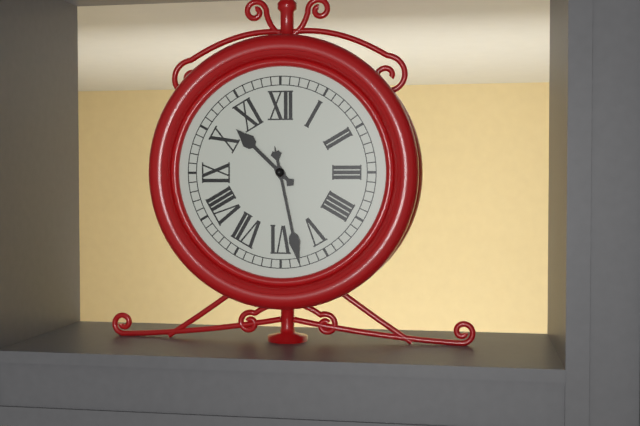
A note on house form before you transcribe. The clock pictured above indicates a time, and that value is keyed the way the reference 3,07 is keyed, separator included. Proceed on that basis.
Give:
10,28
